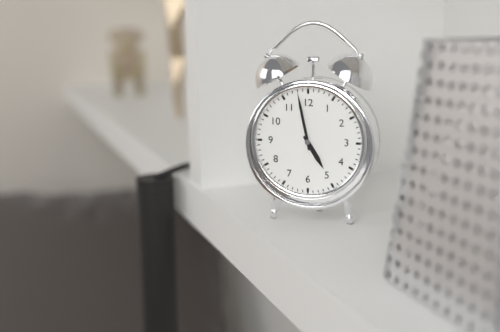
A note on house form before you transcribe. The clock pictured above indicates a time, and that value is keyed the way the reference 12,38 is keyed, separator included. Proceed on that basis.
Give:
4,58
